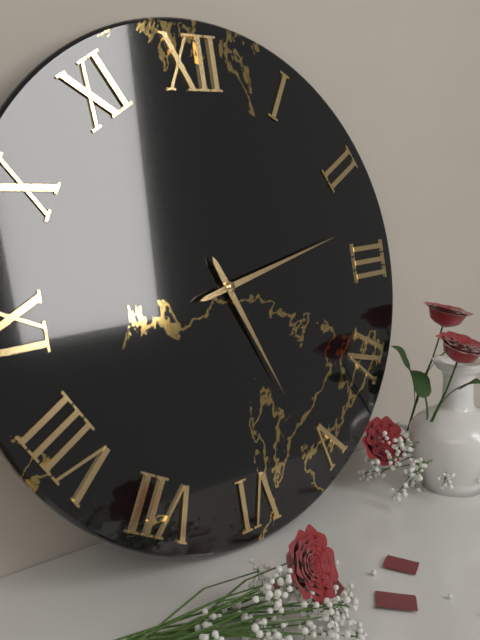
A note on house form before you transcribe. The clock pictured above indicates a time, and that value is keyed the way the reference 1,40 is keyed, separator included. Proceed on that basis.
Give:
5,13
